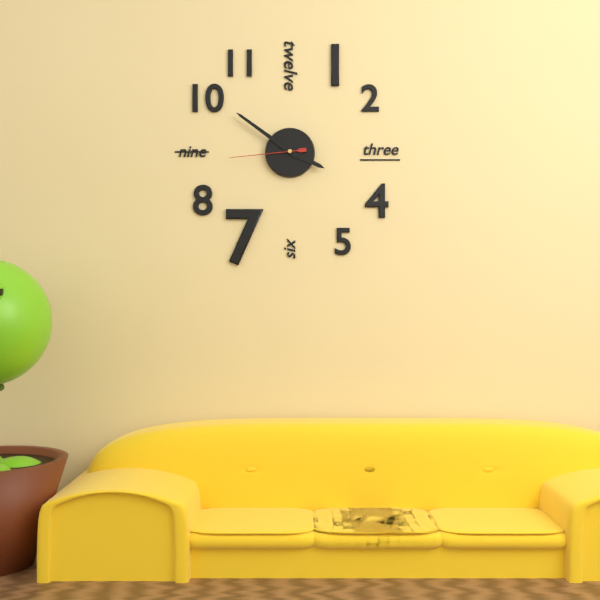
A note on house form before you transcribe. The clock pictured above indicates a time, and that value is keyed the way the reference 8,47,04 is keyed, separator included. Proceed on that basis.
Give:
3,51,44
